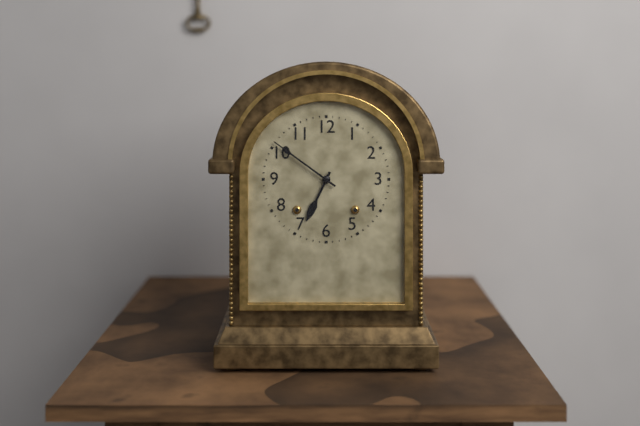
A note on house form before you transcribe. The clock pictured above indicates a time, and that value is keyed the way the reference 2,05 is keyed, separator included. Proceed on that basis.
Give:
6,51
